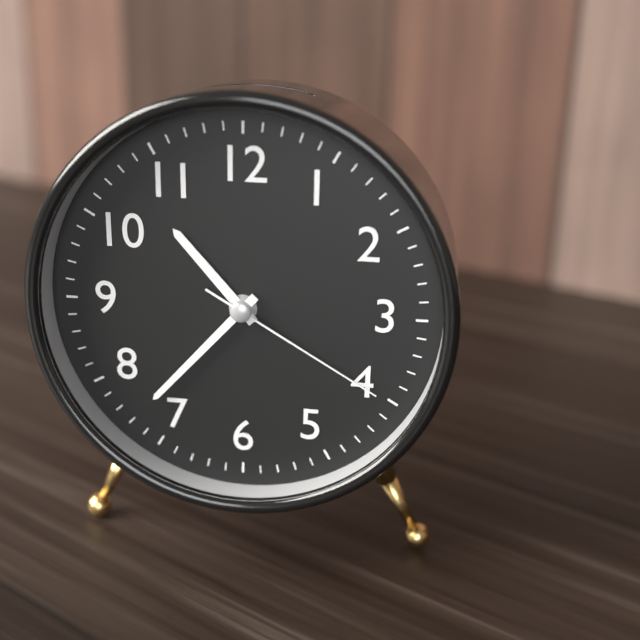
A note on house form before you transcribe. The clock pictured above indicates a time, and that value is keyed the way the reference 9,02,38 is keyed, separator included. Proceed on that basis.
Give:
10,37,20
